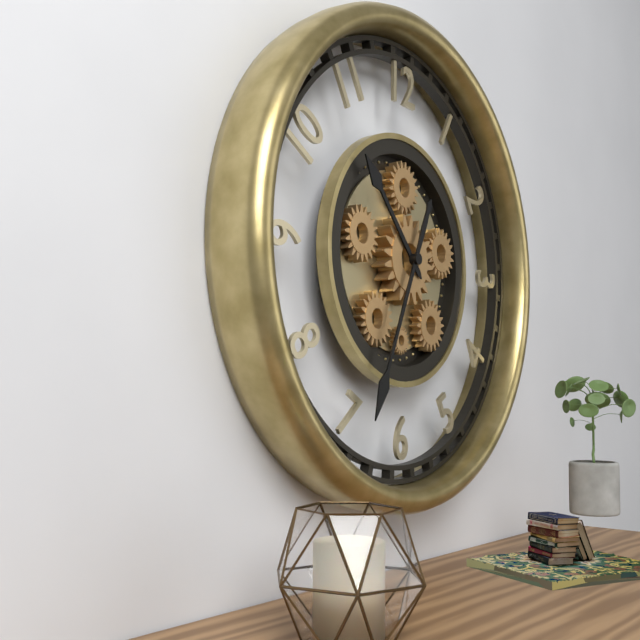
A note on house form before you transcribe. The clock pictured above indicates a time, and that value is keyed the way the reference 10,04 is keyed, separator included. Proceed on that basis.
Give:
10,34
